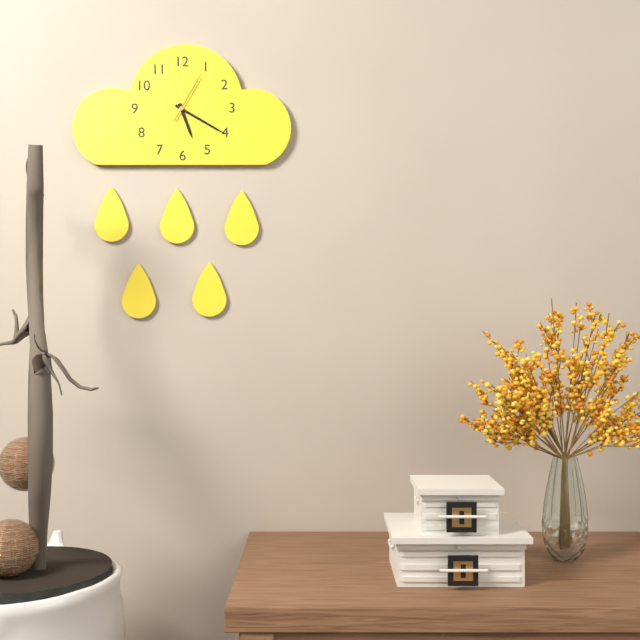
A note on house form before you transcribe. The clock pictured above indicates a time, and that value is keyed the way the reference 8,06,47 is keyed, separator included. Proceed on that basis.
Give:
5,20,05
